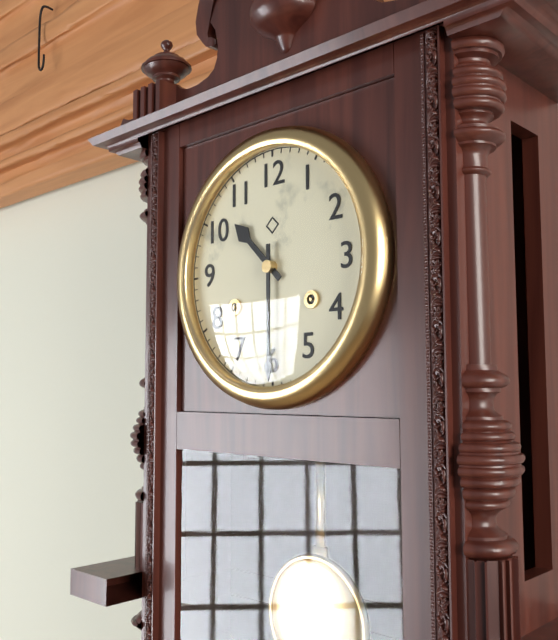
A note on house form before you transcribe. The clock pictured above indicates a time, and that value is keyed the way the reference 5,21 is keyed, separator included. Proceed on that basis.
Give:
10,30
